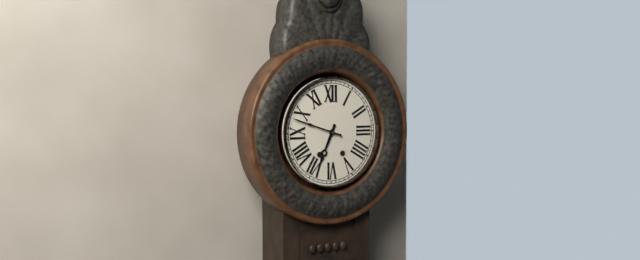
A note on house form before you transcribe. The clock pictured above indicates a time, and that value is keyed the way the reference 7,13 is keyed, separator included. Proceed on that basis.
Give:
6,48
